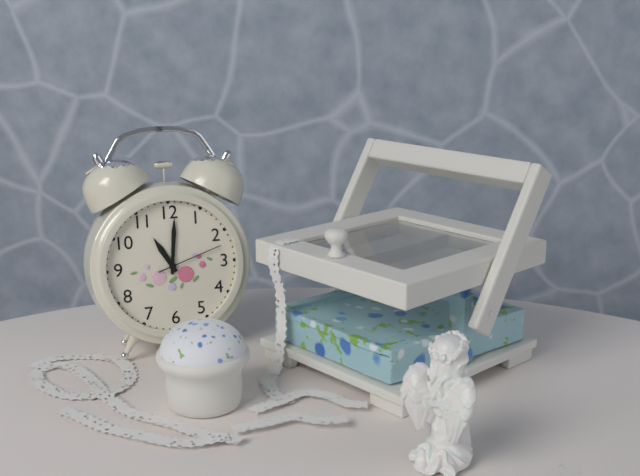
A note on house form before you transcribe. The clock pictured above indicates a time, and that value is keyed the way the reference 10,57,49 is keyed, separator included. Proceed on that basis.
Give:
11,01,12
